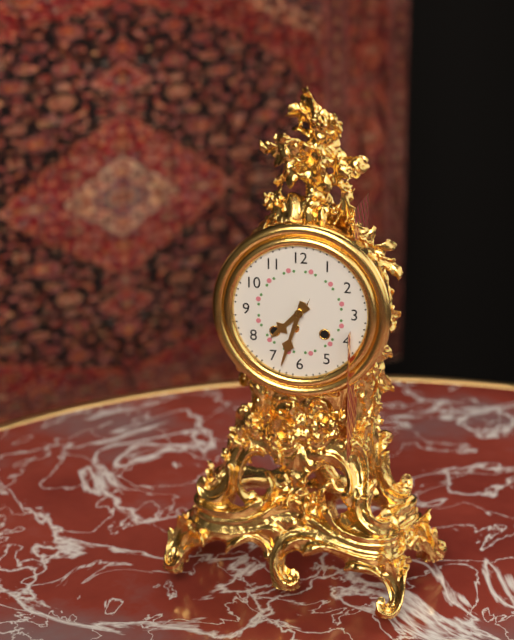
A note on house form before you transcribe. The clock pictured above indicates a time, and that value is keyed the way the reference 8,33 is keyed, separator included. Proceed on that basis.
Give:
7,33
